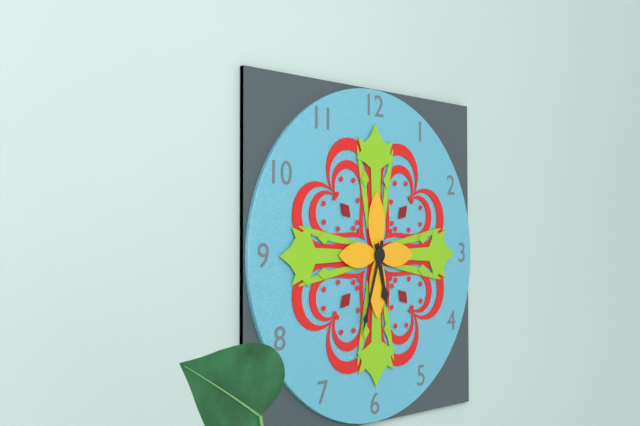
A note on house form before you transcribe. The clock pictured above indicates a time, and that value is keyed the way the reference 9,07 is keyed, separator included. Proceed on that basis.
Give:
5,33
